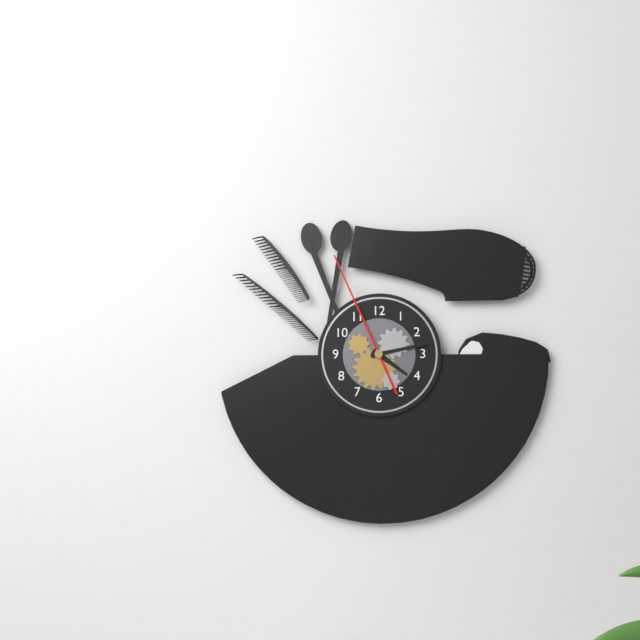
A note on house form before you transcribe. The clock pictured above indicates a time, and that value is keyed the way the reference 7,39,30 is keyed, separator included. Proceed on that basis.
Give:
4,13,56
